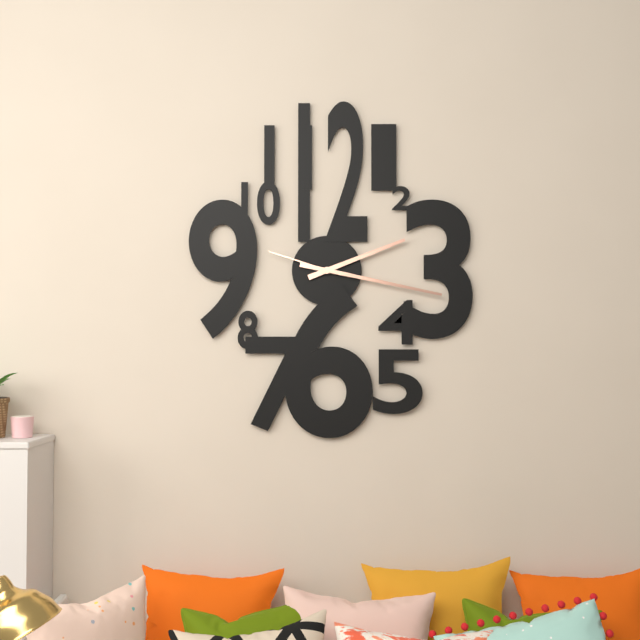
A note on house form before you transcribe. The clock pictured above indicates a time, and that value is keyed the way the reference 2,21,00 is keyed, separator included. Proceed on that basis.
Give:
2,17,48
